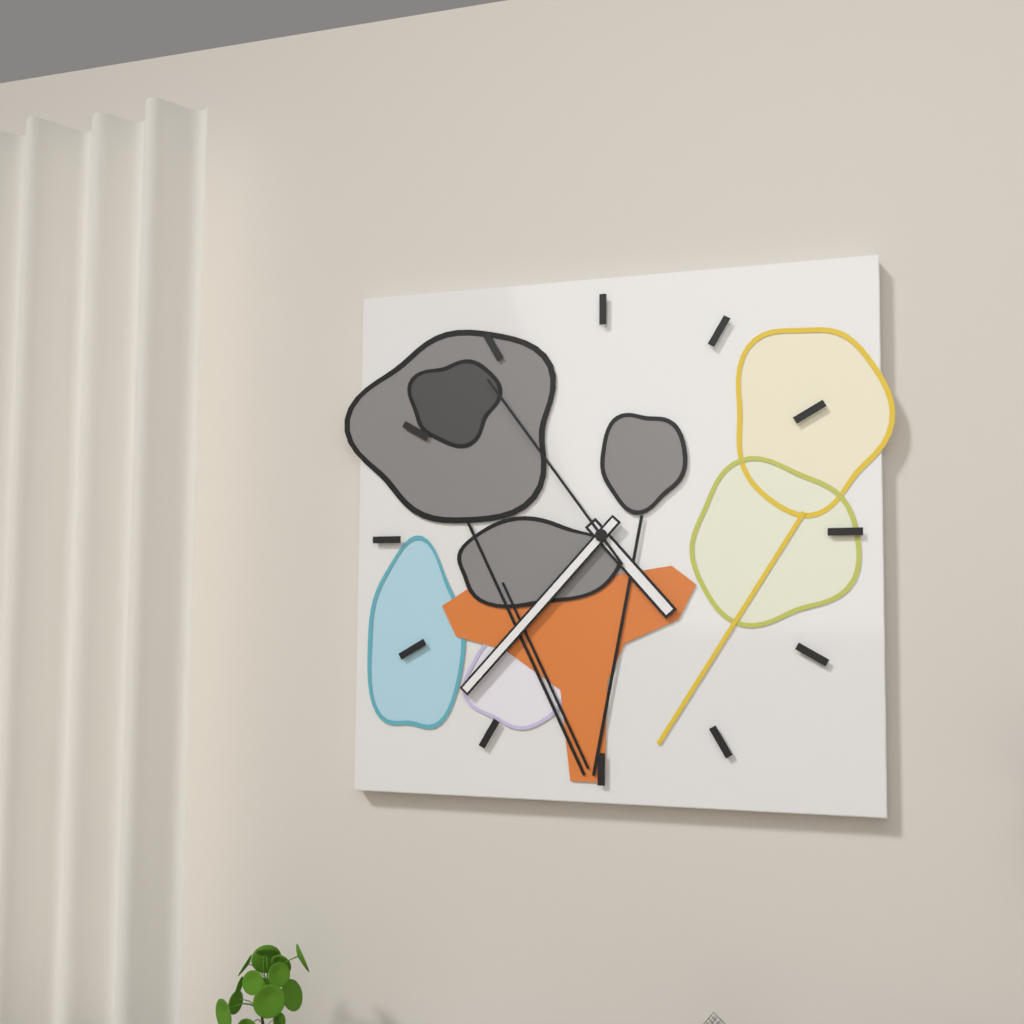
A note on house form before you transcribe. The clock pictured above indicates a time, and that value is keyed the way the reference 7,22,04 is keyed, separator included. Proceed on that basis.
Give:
4,37,54
